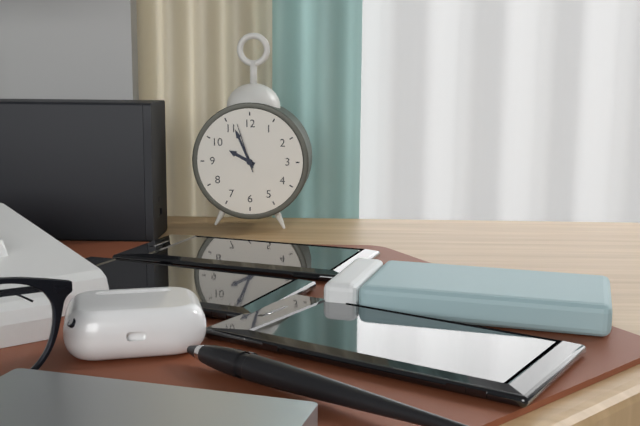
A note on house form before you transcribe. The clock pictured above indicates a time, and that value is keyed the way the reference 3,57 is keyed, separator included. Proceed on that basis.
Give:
9,56
